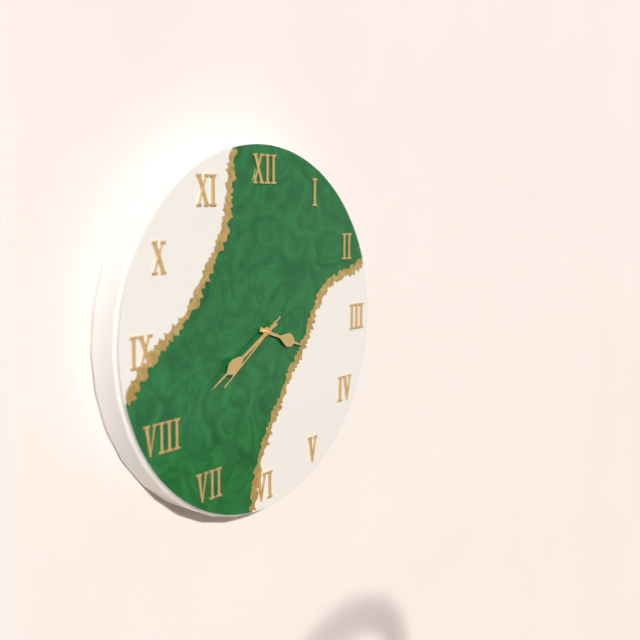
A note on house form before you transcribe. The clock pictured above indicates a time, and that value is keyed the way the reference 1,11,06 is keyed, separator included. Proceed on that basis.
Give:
3,40,39
